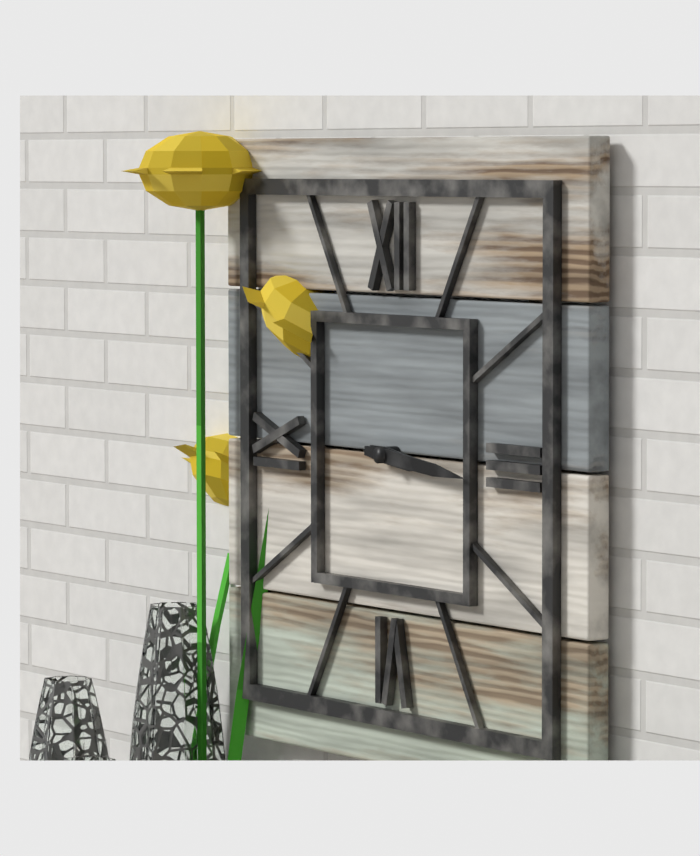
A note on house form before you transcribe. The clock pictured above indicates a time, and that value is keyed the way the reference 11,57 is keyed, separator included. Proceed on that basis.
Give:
3,16
